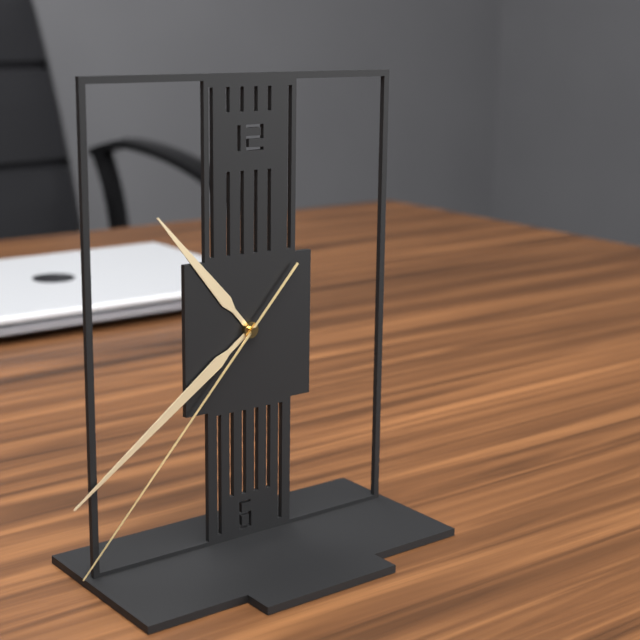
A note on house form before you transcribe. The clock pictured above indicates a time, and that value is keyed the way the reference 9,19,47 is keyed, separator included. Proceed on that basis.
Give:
10,39,37
